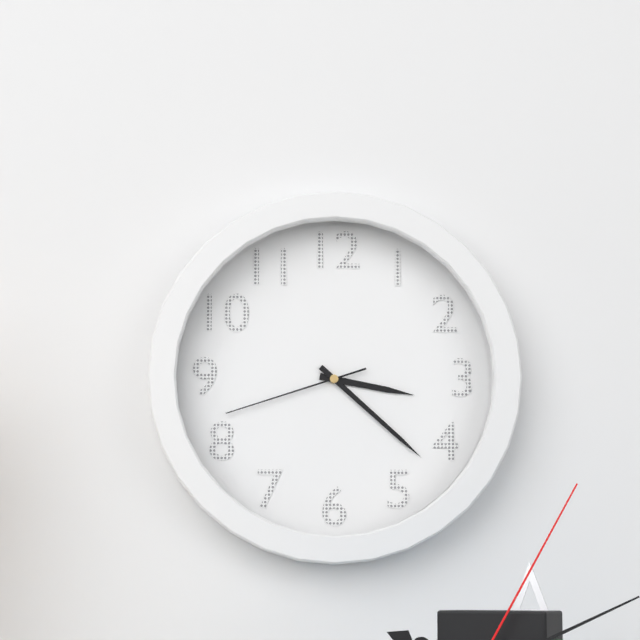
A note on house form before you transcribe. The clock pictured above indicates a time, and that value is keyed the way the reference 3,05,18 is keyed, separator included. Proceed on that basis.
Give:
3,22,42
